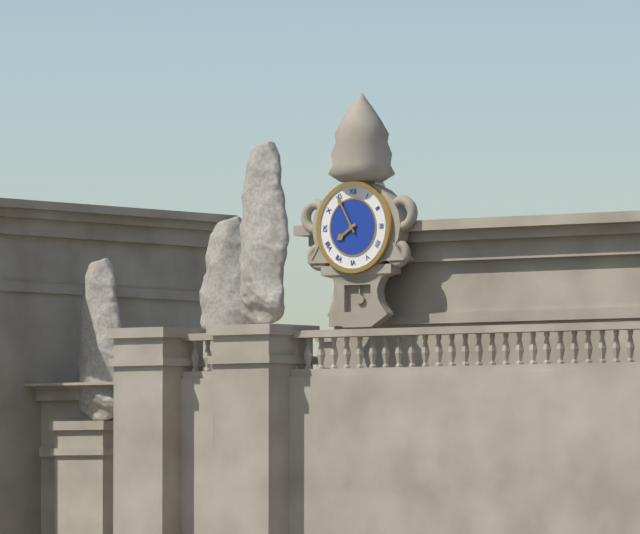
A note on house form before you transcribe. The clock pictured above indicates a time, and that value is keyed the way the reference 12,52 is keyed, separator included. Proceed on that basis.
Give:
7,55
